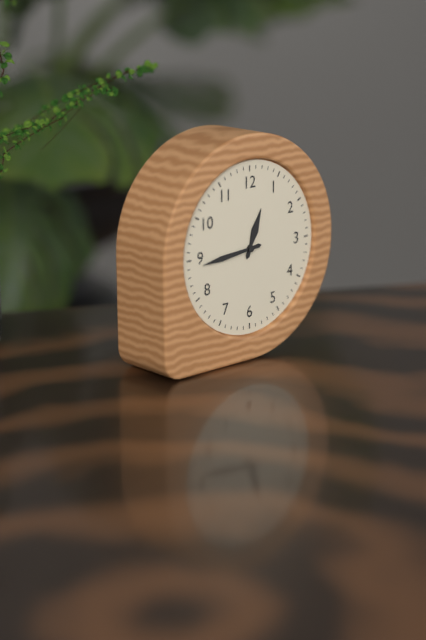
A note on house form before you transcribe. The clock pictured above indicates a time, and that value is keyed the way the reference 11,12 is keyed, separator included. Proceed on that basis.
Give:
12,44
